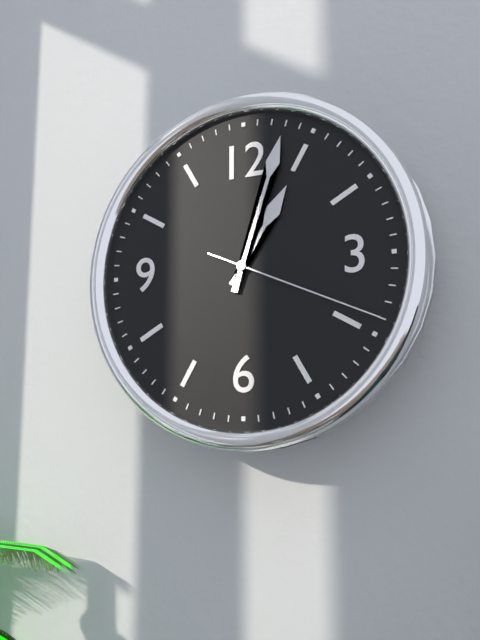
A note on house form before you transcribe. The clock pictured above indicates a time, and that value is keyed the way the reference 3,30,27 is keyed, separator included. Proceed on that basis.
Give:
1,03,19
